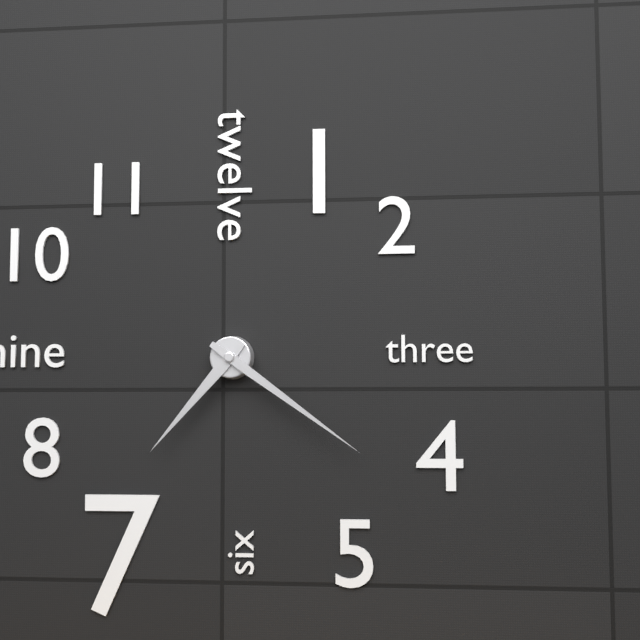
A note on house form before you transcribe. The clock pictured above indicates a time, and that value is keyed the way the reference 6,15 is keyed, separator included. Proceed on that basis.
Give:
7,21
